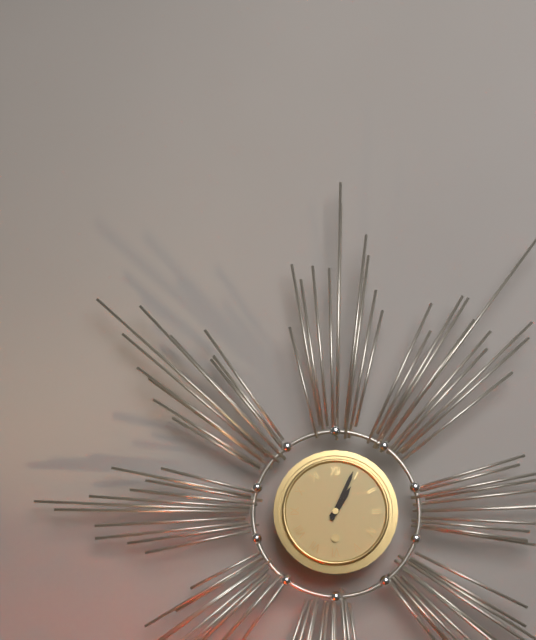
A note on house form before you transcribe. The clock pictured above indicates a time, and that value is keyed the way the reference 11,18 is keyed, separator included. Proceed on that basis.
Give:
1,04
